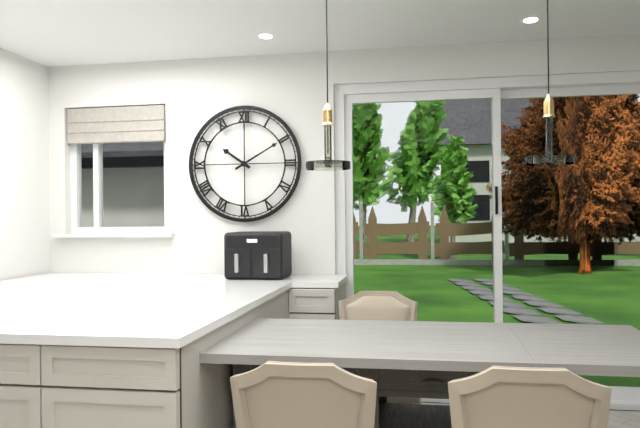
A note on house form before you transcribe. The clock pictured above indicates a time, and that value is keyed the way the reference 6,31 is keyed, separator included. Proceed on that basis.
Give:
10,10
